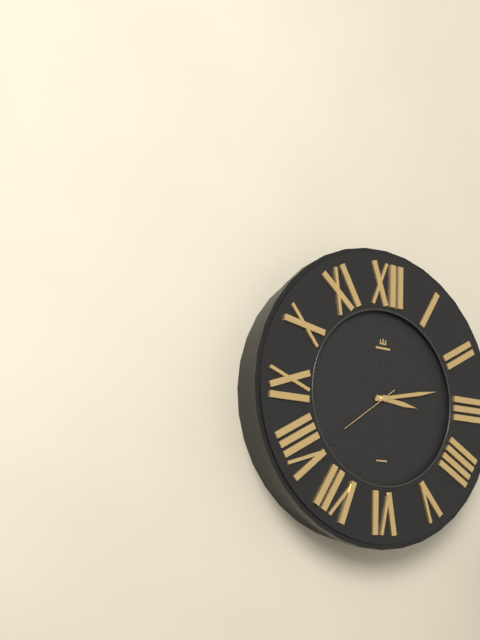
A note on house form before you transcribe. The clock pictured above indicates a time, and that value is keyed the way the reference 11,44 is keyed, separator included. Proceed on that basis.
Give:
3,13
